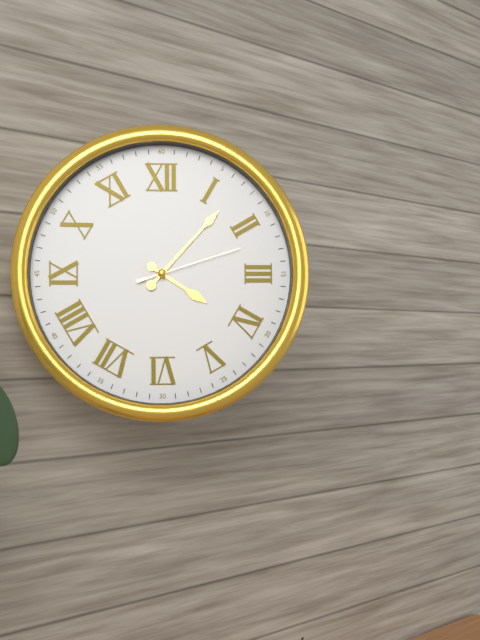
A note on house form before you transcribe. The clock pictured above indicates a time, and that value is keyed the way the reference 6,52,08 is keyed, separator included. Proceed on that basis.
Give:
4,07,12
